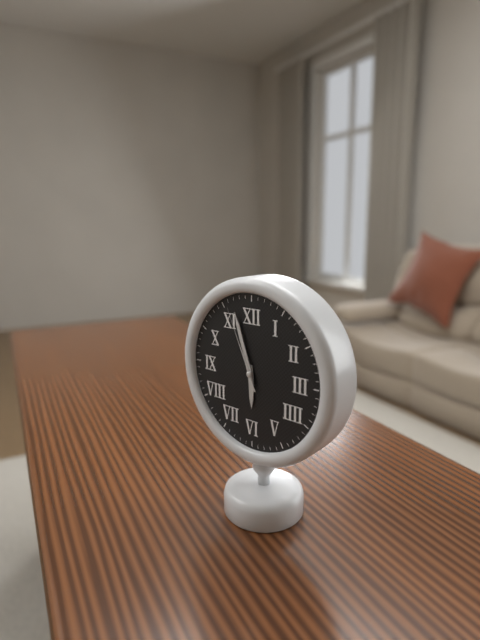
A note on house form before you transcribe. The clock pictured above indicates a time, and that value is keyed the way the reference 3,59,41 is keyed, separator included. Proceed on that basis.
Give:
5,57,56
